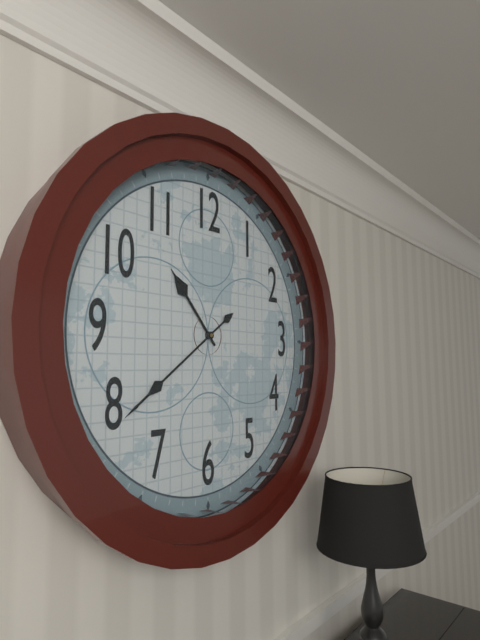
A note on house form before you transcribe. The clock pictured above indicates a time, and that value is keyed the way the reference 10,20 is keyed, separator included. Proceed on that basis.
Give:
10,39
